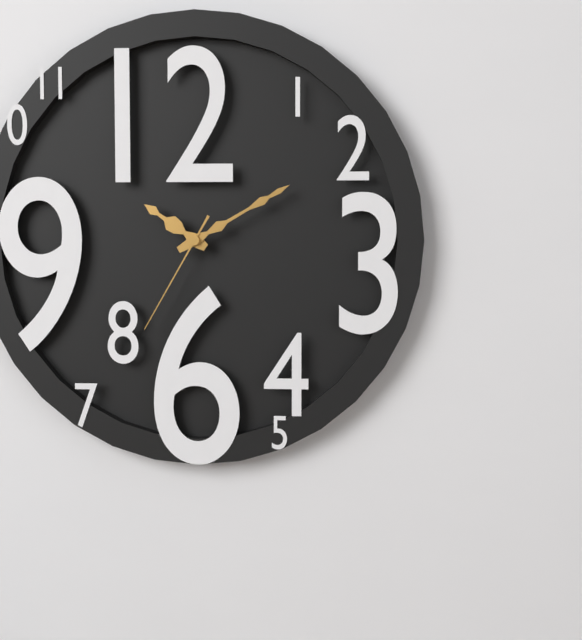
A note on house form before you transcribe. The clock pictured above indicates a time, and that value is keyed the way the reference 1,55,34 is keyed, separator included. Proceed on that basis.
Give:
10,10,35
